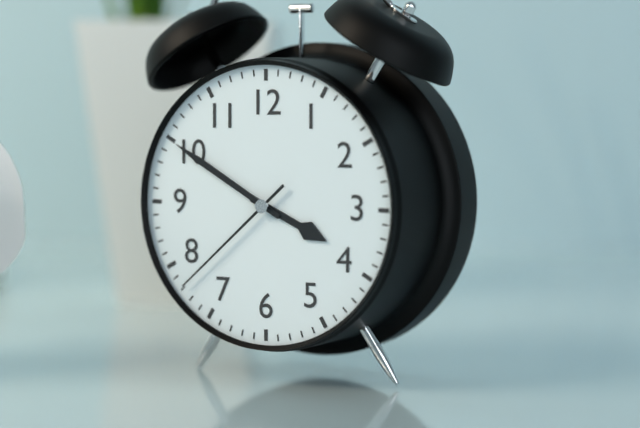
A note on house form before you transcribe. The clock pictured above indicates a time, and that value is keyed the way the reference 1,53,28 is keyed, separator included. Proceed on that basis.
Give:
3,50,38
